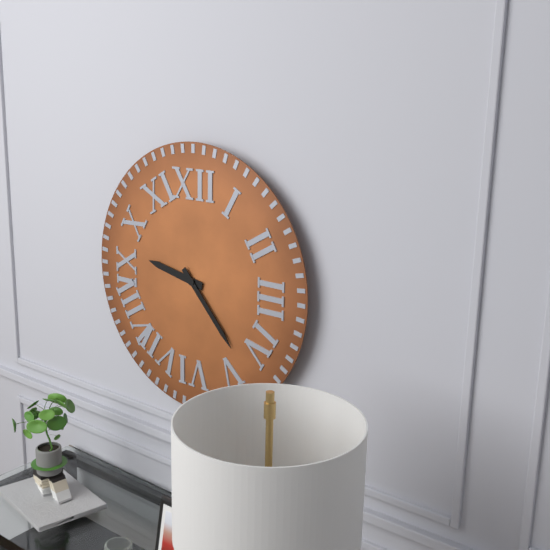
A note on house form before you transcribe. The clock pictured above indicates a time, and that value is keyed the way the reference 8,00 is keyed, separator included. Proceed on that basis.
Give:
9,23
